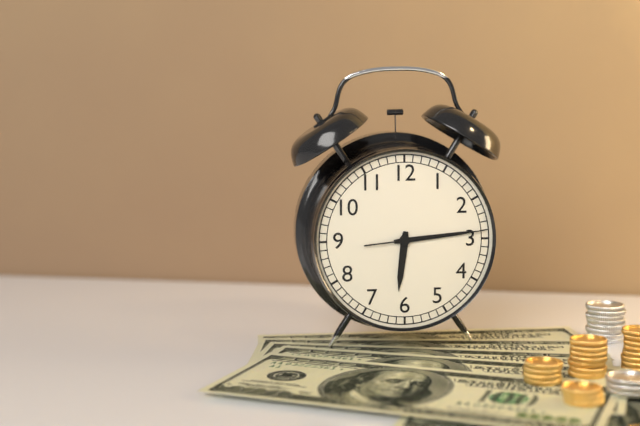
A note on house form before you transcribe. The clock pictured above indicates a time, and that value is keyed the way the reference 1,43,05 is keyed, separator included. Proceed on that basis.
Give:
6,14,14
